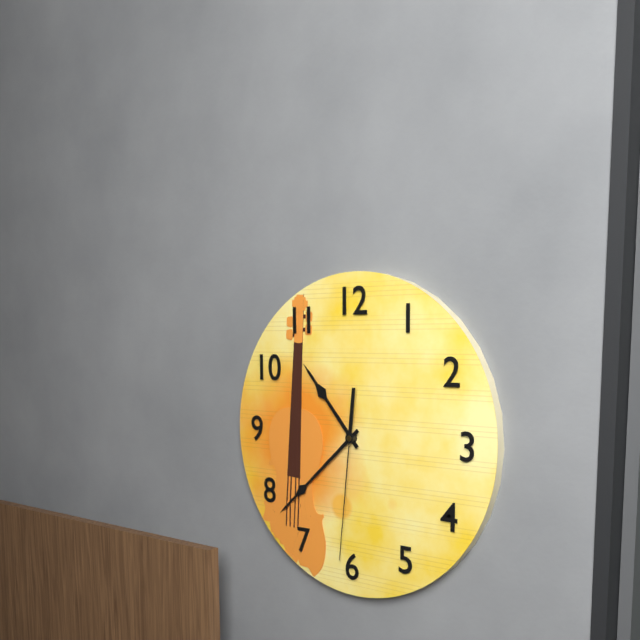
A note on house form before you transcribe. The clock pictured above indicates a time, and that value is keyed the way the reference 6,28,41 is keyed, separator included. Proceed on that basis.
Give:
10,38,31
